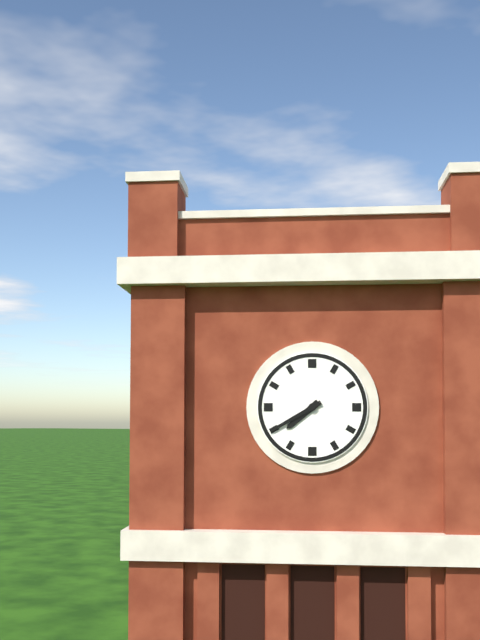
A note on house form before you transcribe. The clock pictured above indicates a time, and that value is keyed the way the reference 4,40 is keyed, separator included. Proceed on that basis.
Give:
7,40
